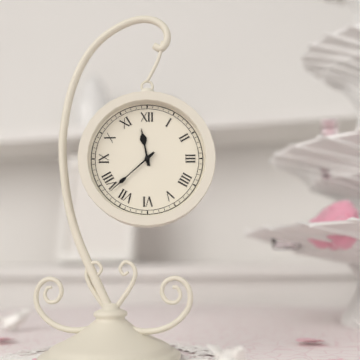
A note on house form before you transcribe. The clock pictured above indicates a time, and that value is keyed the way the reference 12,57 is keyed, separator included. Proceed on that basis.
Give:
11,38
